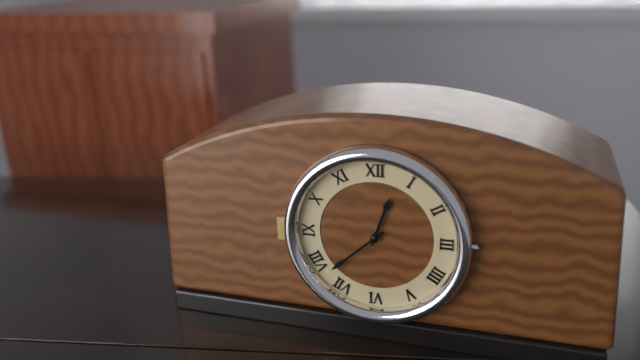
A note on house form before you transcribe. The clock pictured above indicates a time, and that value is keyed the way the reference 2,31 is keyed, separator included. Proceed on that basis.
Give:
12,38
